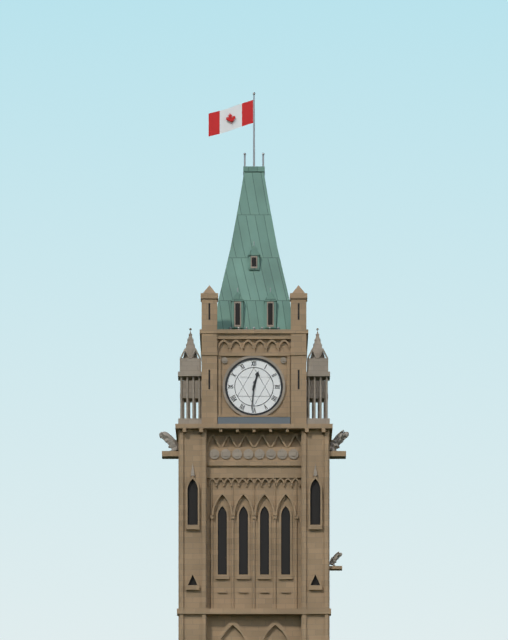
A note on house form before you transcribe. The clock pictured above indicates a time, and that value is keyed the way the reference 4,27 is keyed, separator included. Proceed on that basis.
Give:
12,31
